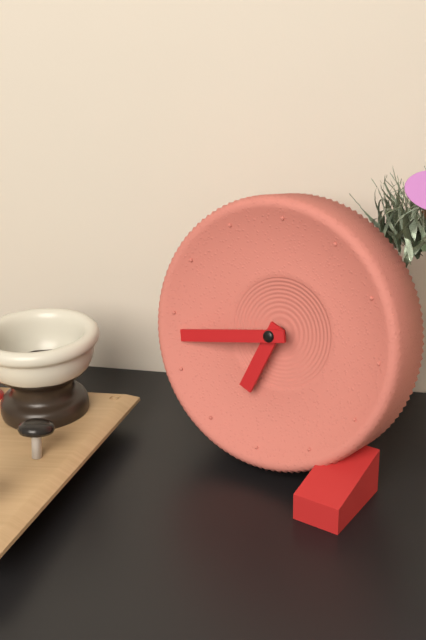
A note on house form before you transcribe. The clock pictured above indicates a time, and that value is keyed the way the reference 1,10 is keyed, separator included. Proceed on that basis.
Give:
6,43
